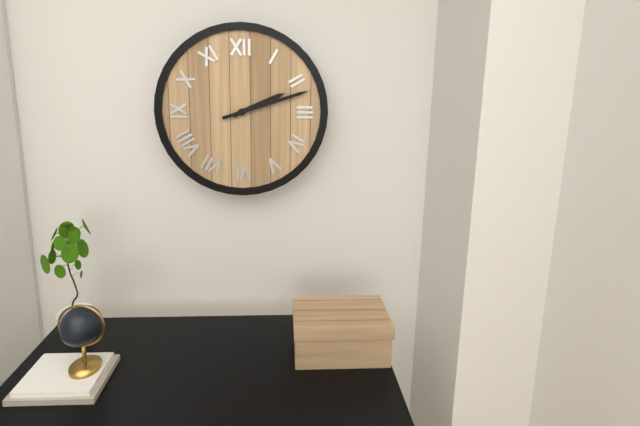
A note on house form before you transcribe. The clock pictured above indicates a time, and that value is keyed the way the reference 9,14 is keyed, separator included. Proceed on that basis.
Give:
2,12
